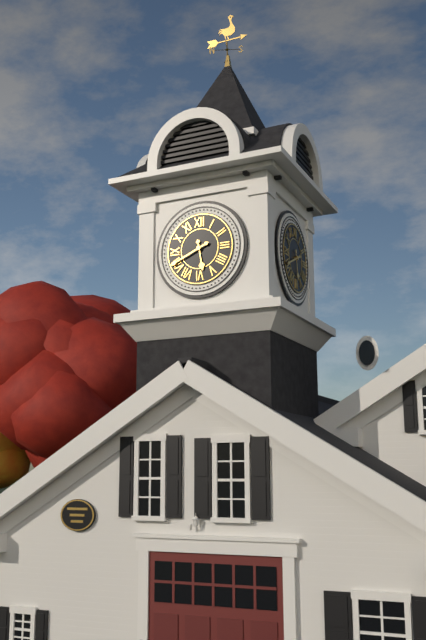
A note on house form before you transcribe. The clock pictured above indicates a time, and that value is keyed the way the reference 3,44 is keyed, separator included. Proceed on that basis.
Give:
5,41
